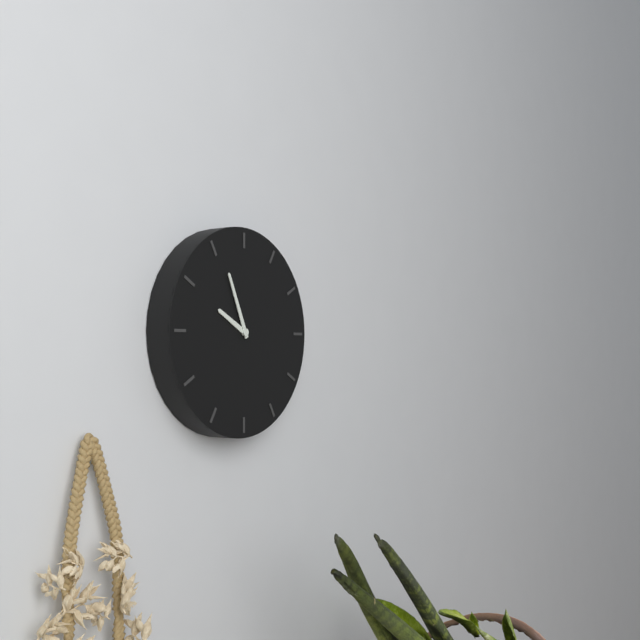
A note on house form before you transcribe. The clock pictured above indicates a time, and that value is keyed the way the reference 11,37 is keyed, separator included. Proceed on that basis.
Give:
9,56
